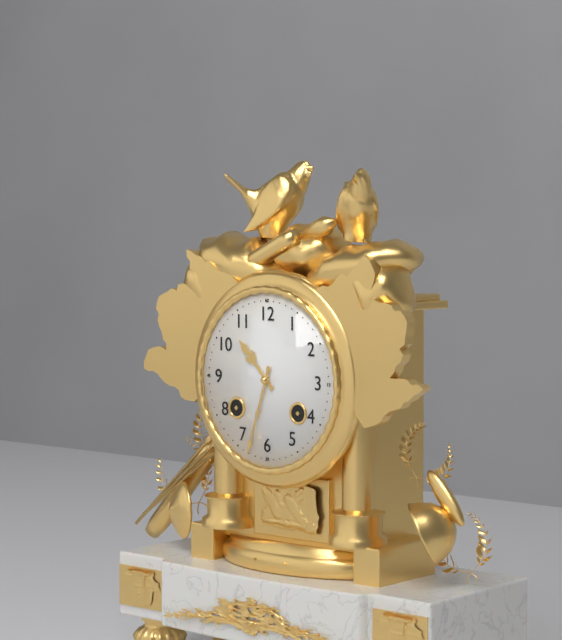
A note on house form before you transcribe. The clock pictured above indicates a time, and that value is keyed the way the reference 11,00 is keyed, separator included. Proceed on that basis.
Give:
10,33
